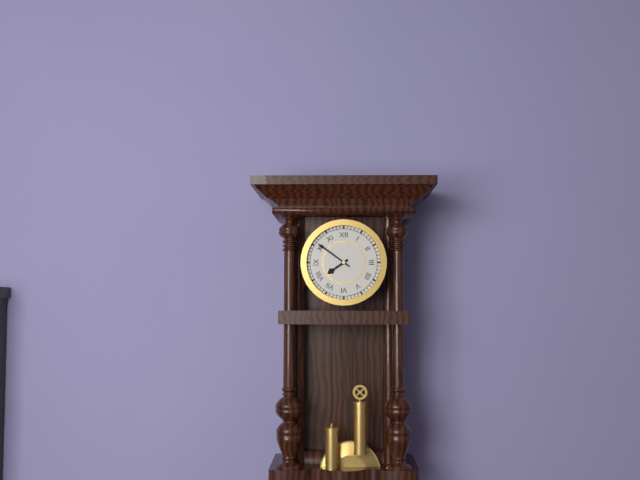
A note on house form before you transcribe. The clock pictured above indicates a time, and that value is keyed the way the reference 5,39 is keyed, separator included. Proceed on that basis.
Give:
7,51
